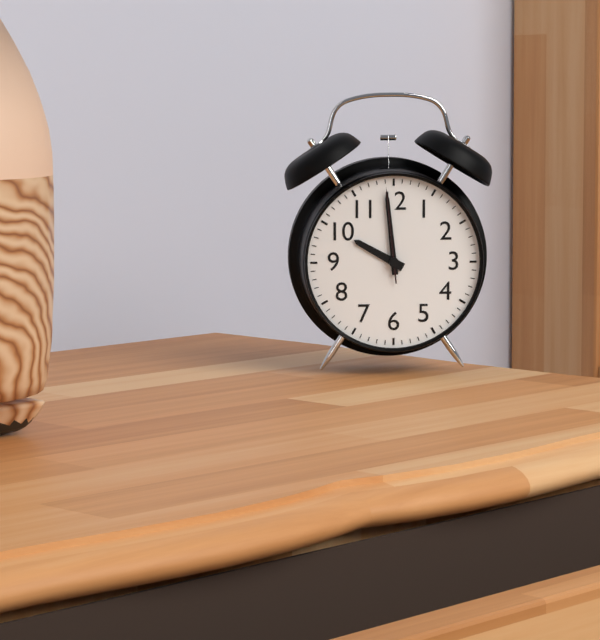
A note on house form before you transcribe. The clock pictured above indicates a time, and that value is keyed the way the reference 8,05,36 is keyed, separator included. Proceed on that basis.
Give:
9,59,59
